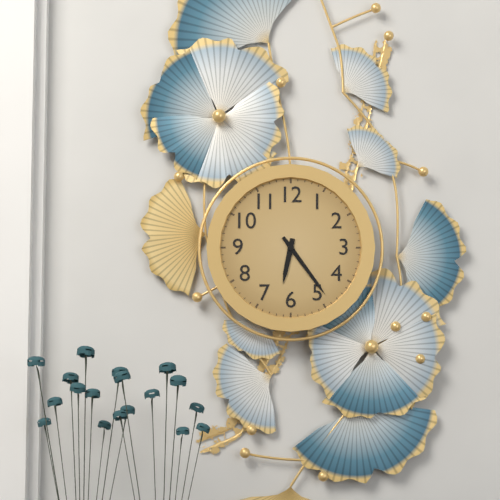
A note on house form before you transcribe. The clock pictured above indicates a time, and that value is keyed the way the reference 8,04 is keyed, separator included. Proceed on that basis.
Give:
6,24
